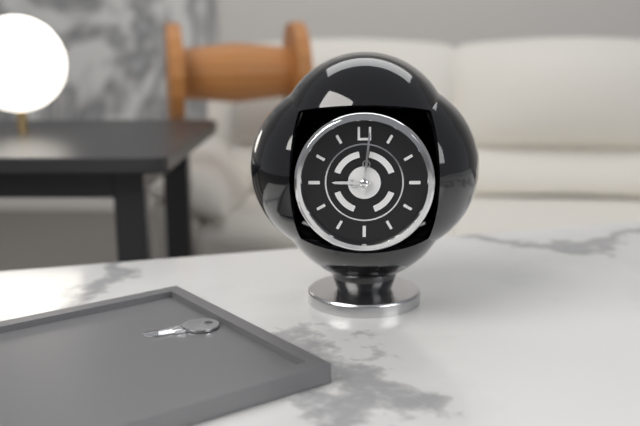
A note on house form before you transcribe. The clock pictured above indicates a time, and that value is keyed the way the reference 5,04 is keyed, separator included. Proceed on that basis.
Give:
9,01
